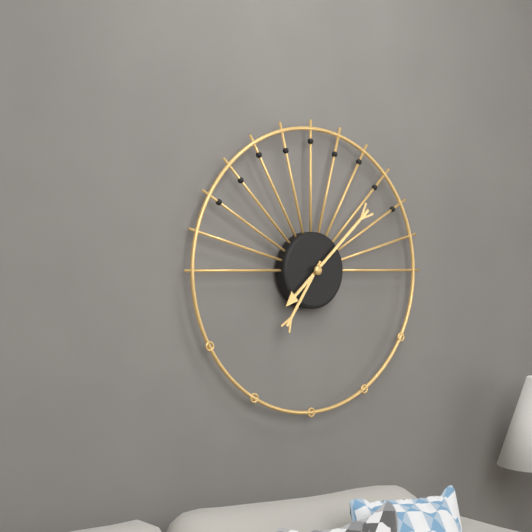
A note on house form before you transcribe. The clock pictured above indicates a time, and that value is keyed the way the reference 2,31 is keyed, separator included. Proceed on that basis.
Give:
7,08
